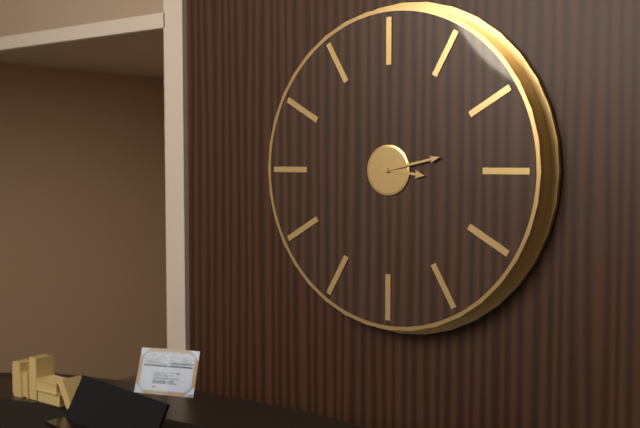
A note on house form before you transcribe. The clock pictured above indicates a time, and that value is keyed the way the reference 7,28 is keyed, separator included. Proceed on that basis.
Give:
3,13
